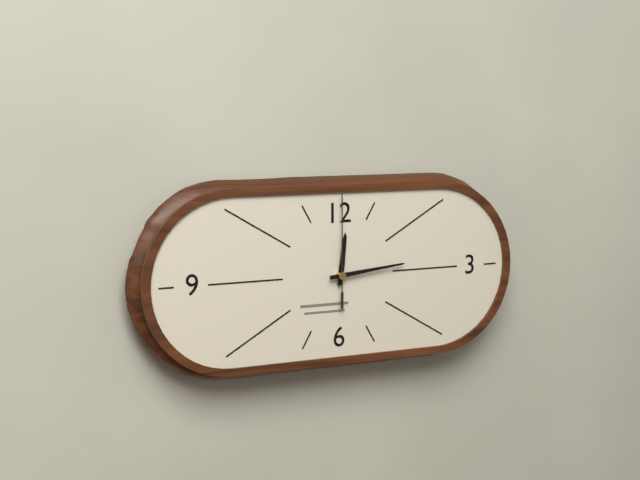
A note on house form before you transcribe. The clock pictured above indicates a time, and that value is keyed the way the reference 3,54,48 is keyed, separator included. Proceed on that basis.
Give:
12,14,00
